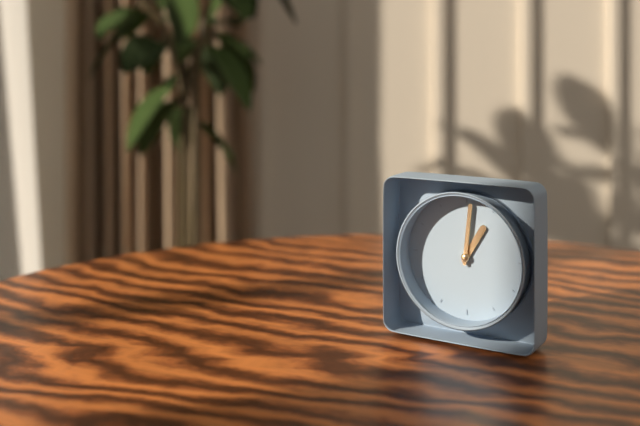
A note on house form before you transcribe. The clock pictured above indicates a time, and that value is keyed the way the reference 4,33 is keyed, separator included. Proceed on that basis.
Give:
1,01
